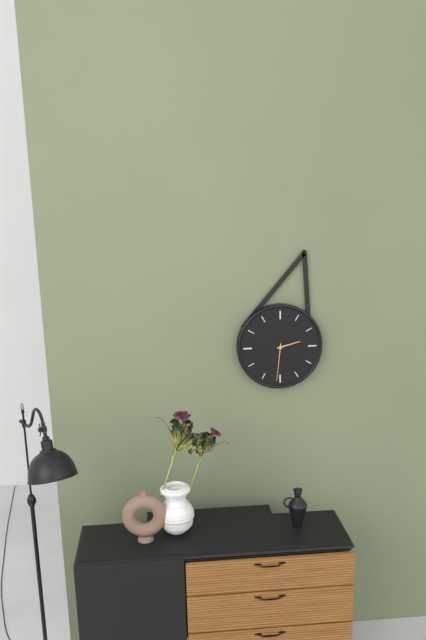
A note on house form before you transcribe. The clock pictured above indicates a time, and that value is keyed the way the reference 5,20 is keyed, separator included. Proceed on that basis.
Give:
2,31
